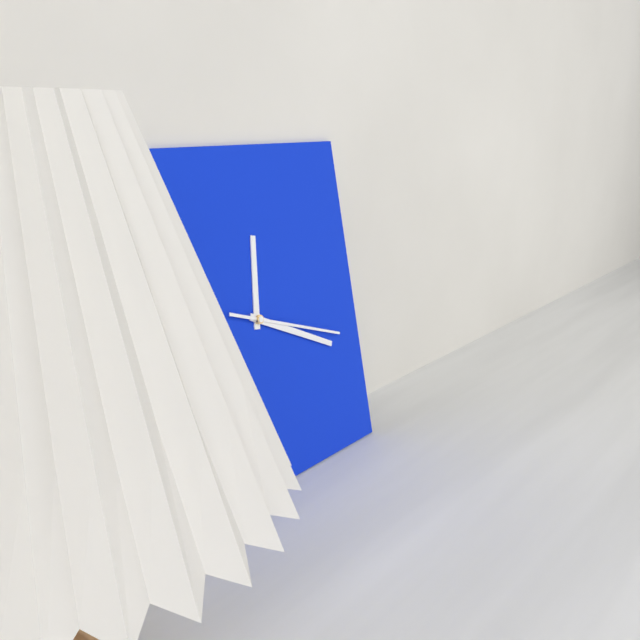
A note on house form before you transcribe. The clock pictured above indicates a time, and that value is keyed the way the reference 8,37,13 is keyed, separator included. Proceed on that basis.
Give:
12,19,18
